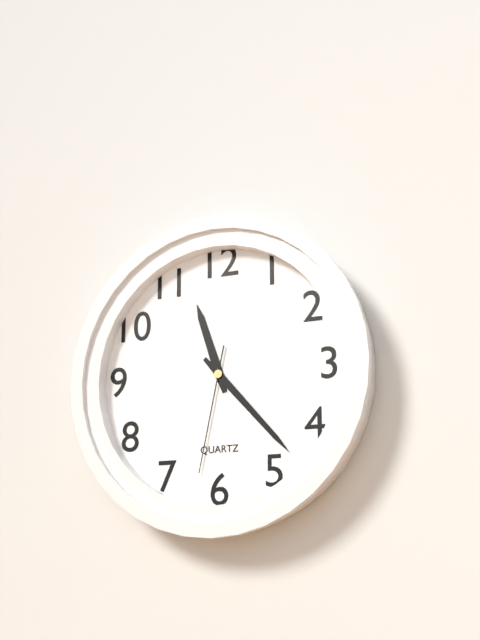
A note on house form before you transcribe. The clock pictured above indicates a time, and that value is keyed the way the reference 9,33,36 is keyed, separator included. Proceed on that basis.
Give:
11,23,32
